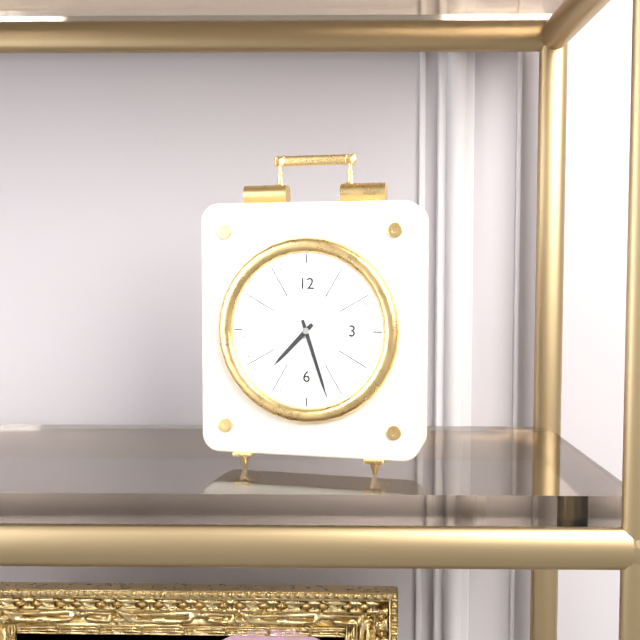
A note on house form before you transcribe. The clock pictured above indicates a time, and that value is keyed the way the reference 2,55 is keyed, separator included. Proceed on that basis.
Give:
7,27
